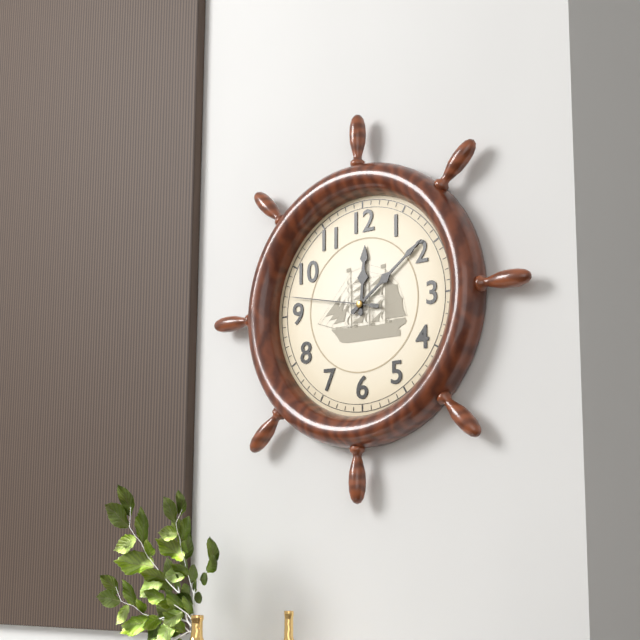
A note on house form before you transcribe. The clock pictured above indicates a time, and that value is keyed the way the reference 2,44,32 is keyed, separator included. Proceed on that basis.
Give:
12,09,47
